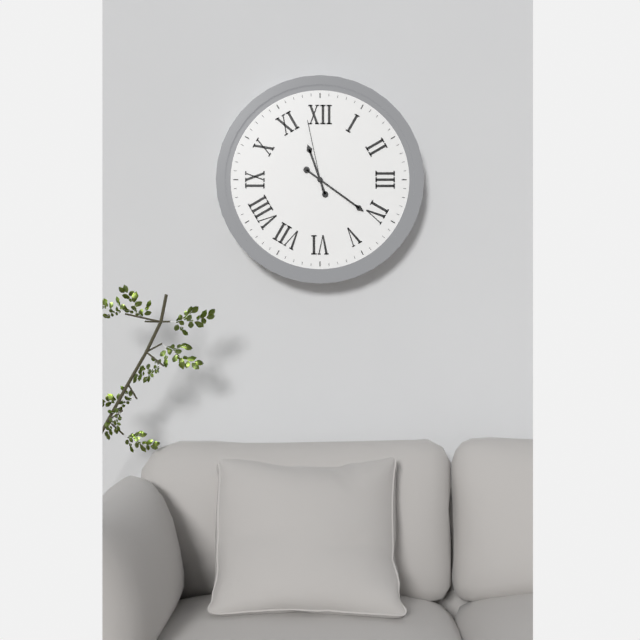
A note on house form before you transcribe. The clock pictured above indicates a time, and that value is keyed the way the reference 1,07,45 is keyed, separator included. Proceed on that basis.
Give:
11,21,58
